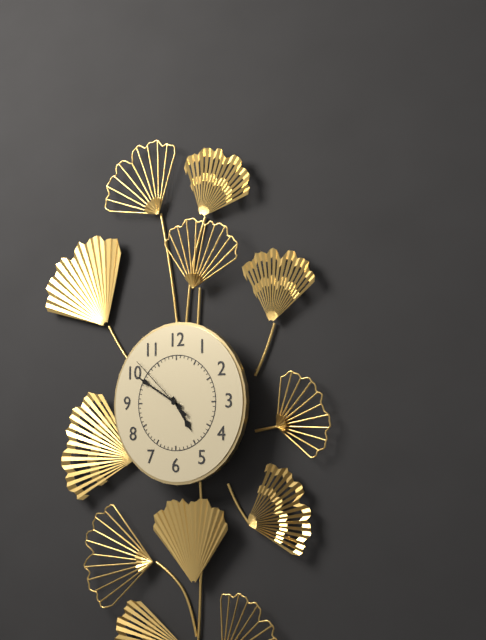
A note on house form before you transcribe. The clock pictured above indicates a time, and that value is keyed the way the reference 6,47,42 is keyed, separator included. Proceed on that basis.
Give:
4,50,52
